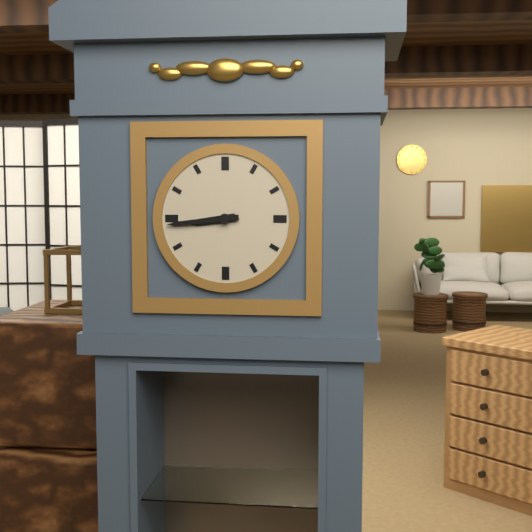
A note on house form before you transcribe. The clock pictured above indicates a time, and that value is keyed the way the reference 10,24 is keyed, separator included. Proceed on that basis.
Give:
8,44
